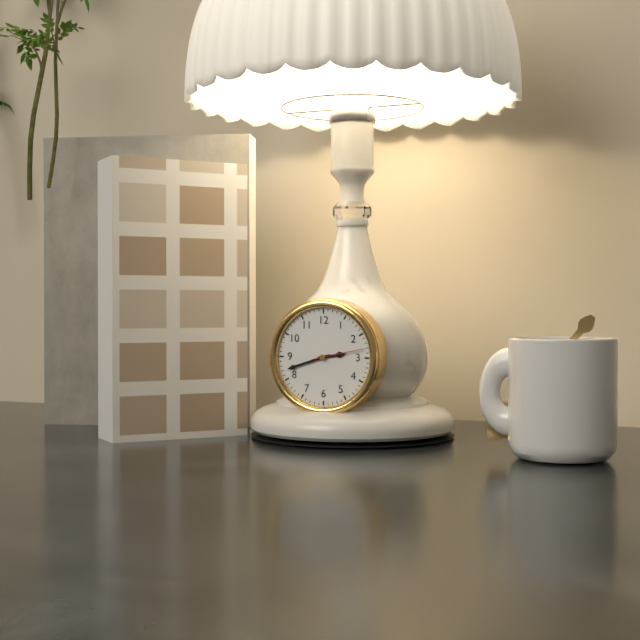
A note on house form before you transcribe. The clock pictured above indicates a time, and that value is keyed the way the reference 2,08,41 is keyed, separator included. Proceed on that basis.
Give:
2,42,13
